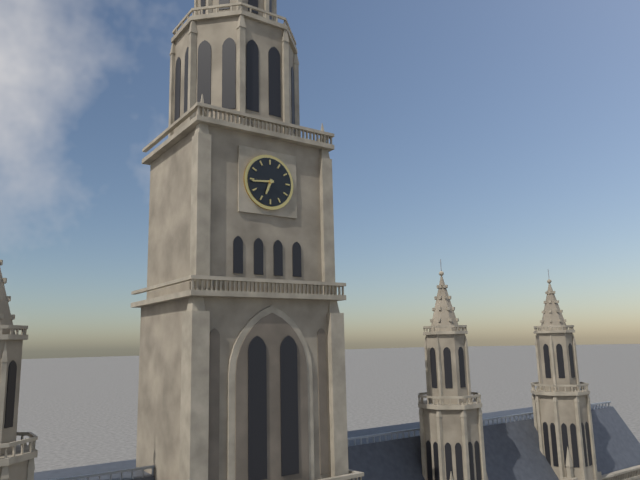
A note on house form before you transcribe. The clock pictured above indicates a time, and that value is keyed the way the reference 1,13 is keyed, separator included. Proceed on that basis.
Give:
6,44
